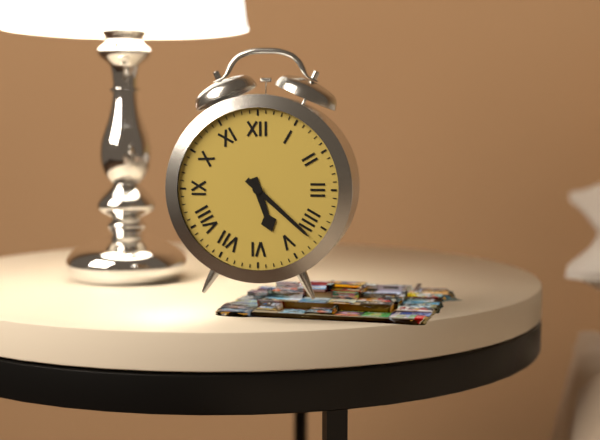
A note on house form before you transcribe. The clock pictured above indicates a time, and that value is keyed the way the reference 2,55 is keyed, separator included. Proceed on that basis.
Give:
5,22
